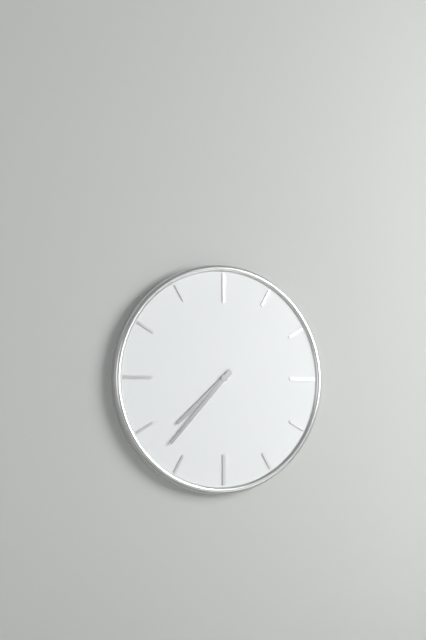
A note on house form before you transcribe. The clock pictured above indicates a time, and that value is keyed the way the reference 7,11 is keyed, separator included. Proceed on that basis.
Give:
7,37
